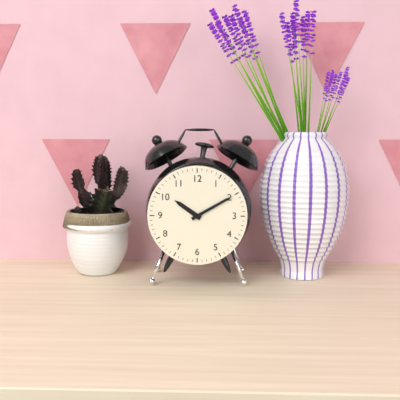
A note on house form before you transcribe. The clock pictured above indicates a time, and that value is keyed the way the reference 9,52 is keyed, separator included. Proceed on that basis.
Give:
10,10
